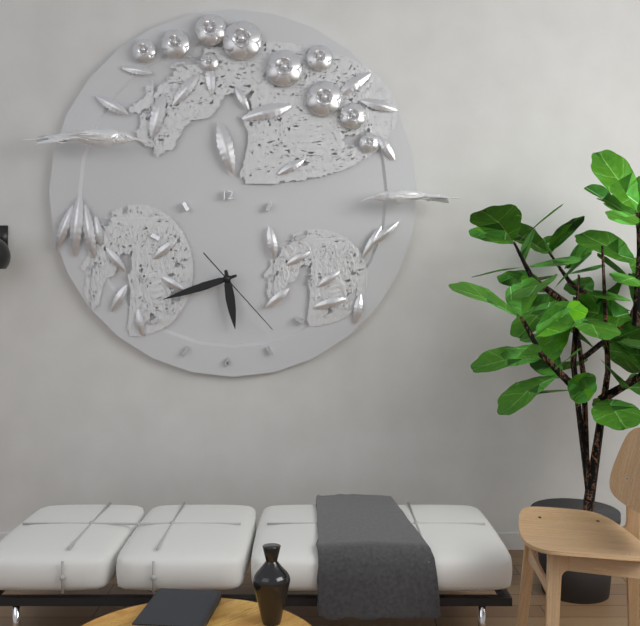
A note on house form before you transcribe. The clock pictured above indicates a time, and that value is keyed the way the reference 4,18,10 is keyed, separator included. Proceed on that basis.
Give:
5,42,23
